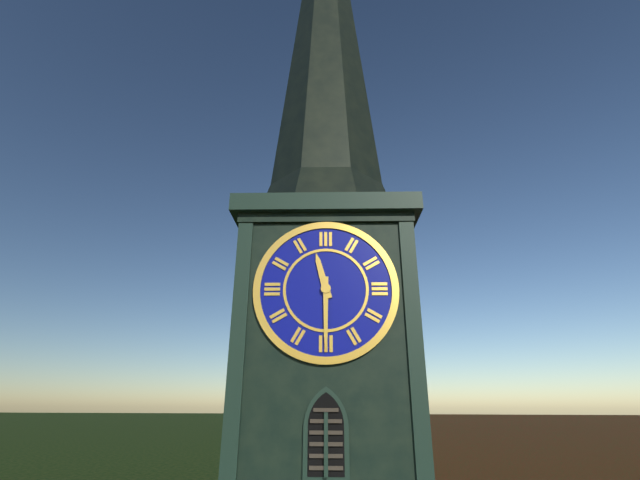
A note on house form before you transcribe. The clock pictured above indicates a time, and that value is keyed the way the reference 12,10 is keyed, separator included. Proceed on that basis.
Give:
11,30
